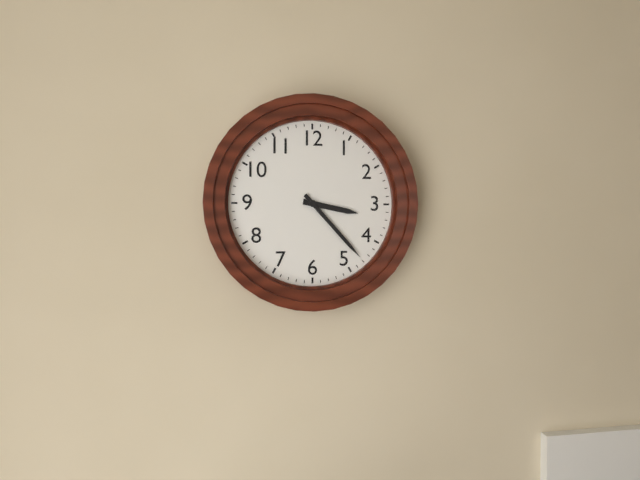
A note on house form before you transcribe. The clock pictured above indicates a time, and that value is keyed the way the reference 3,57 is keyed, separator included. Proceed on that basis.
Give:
3,23
